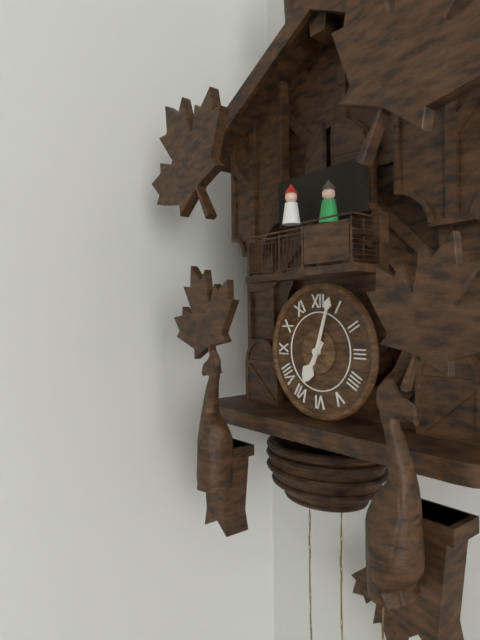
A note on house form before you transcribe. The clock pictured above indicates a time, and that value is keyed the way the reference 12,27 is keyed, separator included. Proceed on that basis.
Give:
7,03
